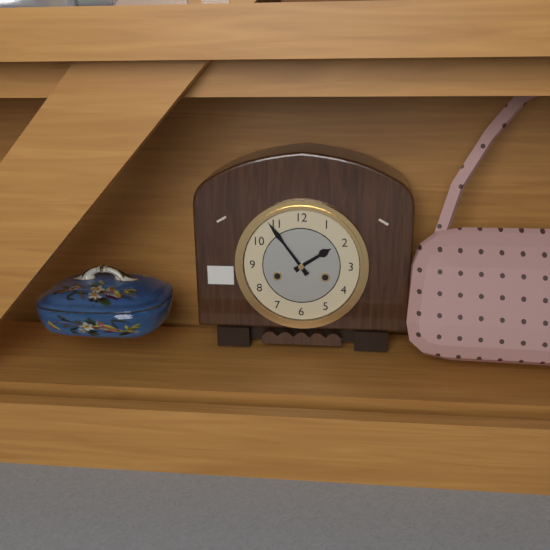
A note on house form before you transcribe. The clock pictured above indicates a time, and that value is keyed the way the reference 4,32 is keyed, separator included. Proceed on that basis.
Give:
1,54
